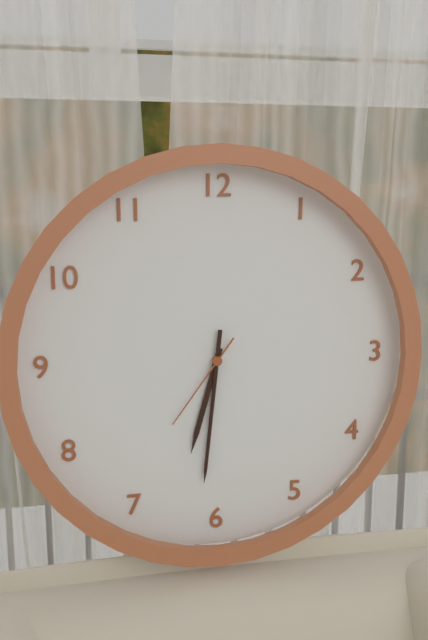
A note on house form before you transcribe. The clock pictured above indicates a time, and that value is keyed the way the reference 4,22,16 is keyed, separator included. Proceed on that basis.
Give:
6,31,36
